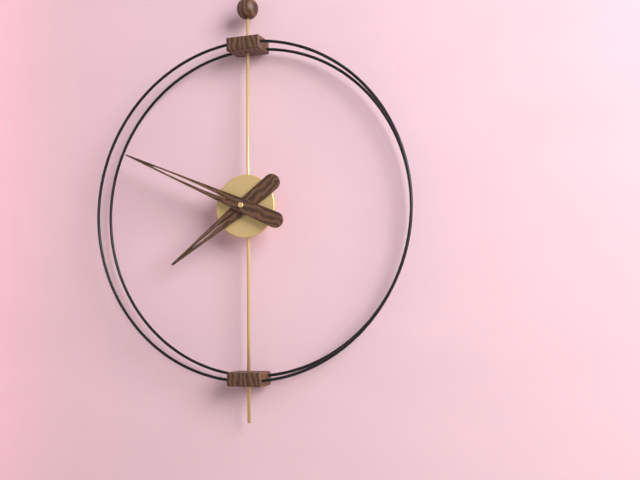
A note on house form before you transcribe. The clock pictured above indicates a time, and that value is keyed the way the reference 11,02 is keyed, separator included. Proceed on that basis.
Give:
7,49
